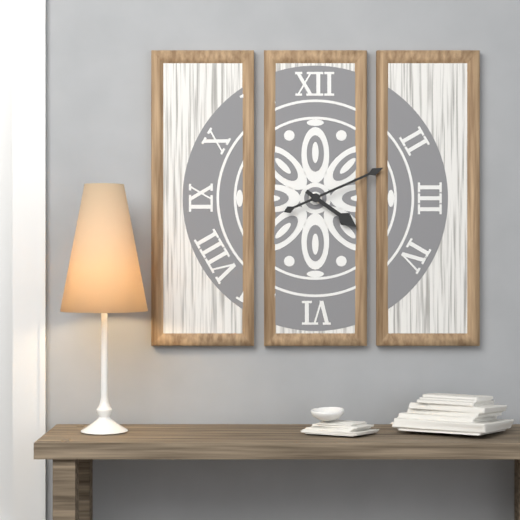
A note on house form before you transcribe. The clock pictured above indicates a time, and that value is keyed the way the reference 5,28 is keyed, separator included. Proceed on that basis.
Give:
4,11
